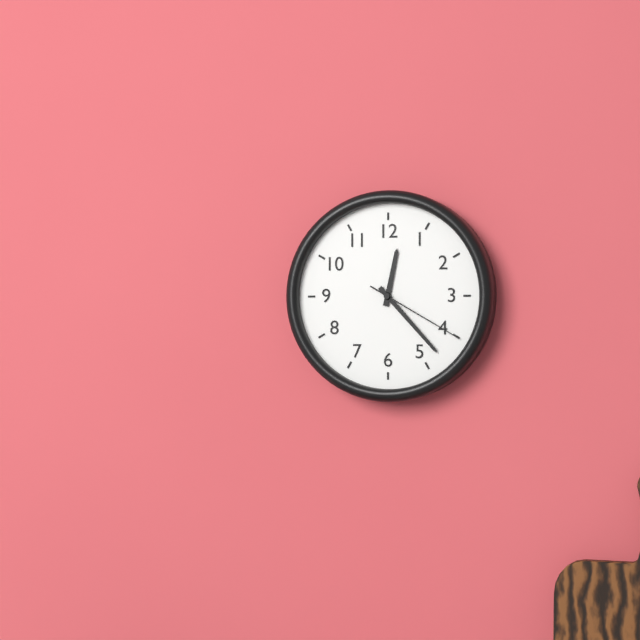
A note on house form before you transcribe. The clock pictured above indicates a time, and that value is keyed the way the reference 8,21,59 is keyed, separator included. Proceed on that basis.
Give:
12,23,20
